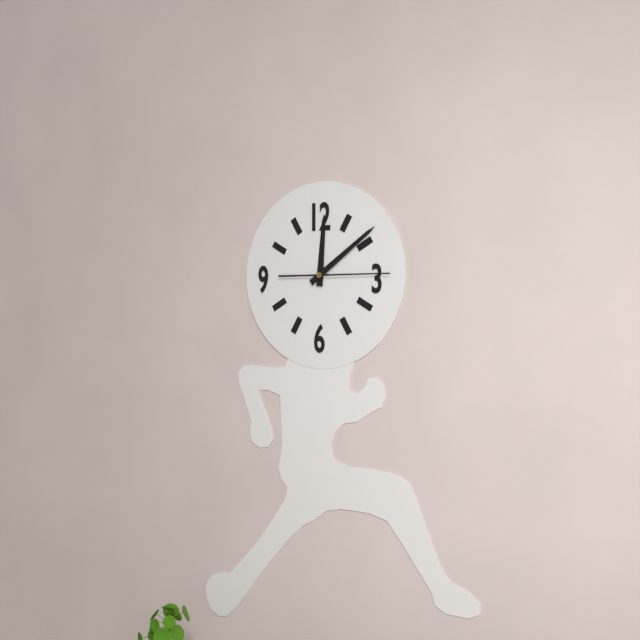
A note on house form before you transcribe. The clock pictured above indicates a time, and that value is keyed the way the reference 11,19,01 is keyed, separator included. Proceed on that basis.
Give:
12,09,15
